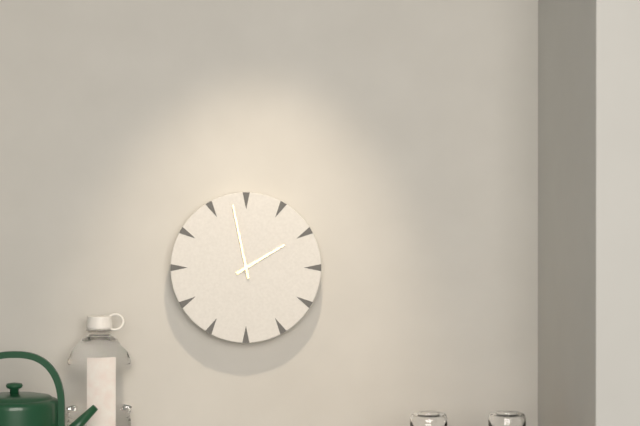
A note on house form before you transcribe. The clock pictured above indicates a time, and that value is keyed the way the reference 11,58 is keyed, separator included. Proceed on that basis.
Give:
1,58
